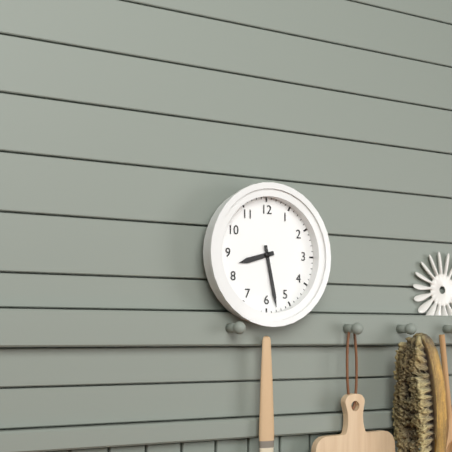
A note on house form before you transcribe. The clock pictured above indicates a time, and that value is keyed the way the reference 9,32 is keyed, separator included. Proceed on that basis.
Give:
8,28
